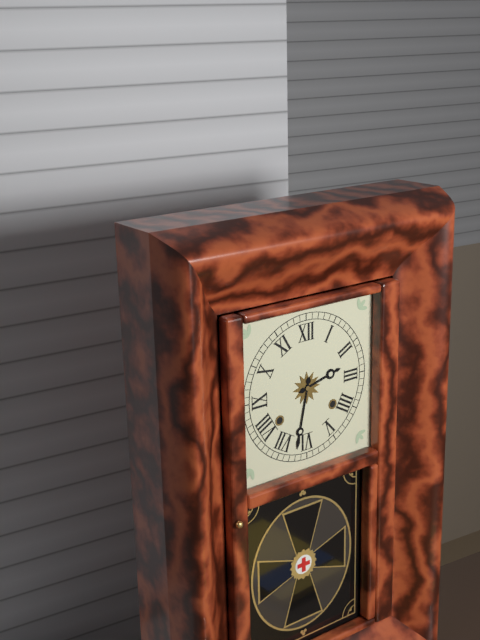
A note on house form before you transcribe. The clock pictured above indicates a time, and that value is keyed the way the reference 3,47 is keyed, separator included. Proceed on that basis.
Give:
2,32
